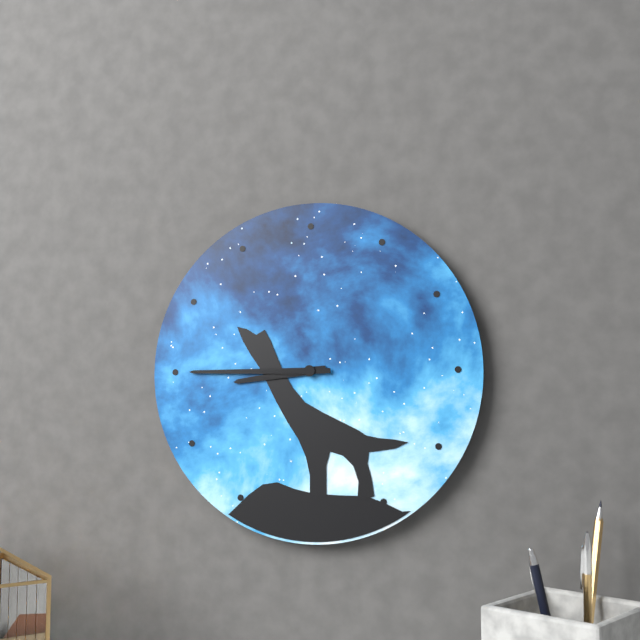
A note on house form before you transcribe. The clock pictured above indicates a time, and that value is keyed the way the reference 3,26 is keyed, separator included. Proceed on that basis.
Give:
8,45
